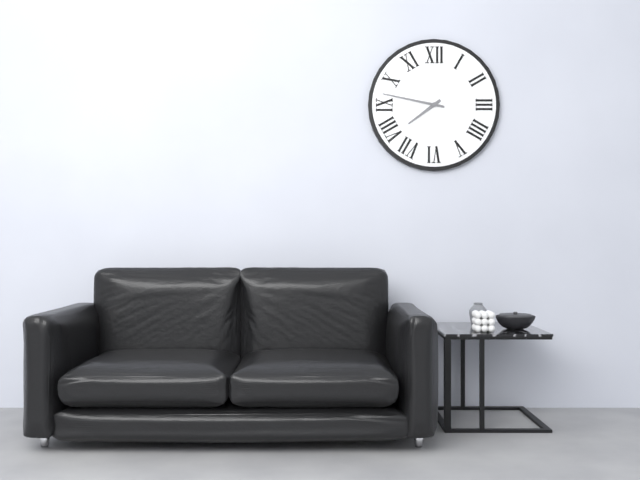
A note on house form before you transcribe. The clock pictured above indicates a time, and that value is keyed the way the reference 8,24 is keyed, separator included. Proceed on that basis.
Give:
7,47
